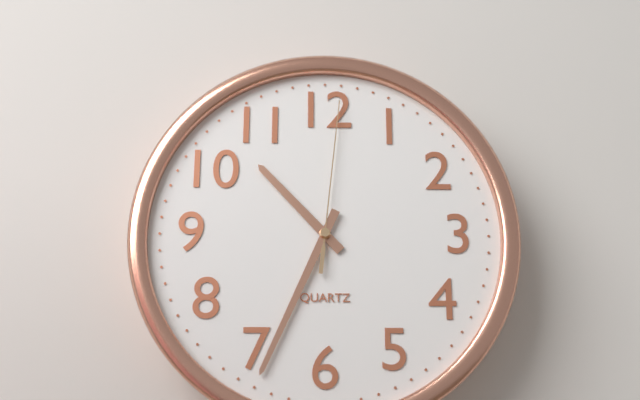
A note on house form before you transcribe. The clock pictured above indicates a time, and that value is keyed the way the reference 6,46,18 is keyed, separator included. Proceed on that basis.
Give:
10,34,01
